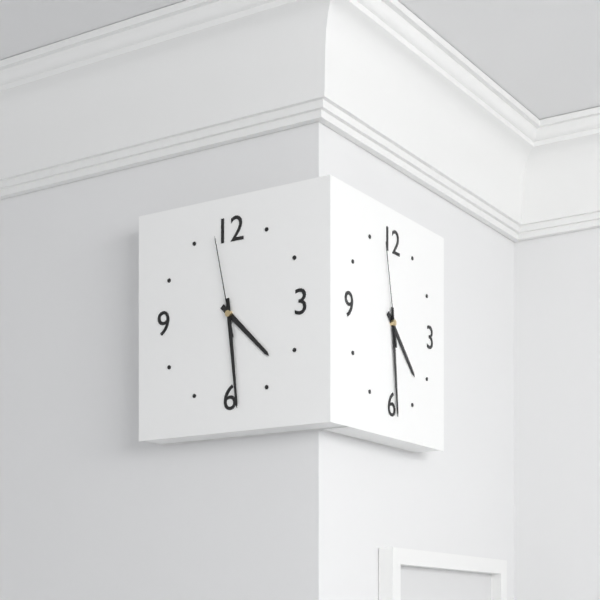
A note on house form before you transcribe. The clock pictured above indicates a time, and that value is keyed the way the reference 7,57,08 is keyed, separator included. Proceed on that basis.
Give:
4,29,58
